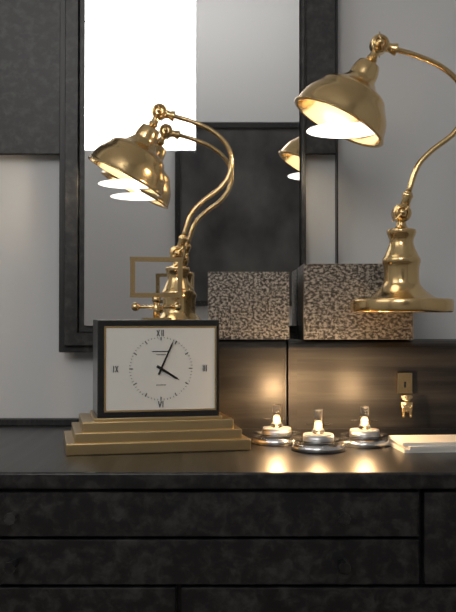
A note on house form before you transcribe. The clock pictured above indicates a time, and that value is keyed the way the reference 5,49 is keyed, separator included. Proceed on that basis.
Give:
4,04
